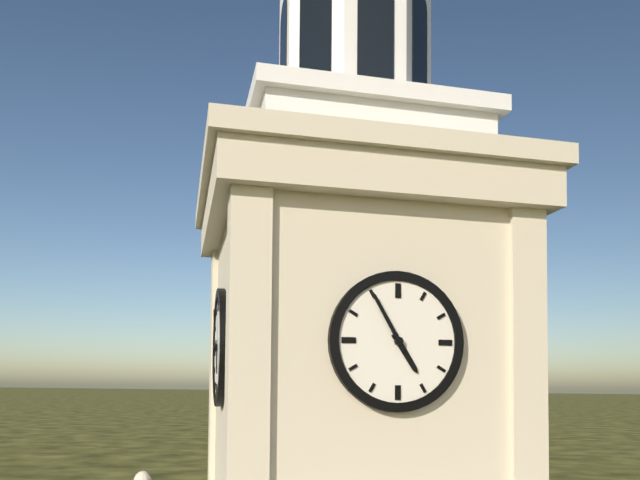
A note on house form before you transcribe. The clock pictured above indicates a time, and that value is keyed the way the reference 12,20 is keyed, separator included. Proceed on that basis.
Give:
4,55
